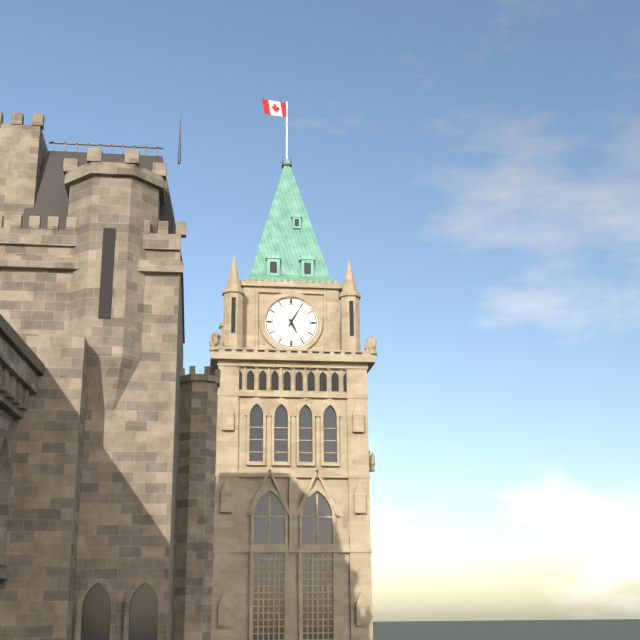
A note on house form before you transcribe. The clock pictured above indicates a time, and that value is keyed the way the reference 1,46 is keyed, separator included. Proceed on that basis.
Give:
5,05
